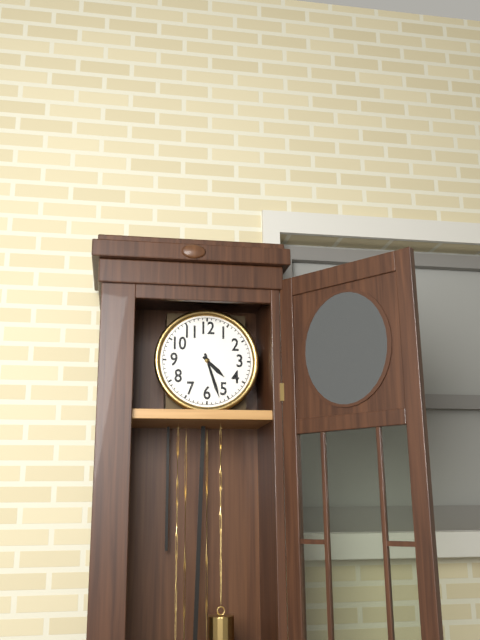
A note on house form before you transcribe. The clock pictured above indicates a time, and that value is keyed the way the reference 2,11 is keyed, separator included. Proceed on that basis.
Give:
4,27
